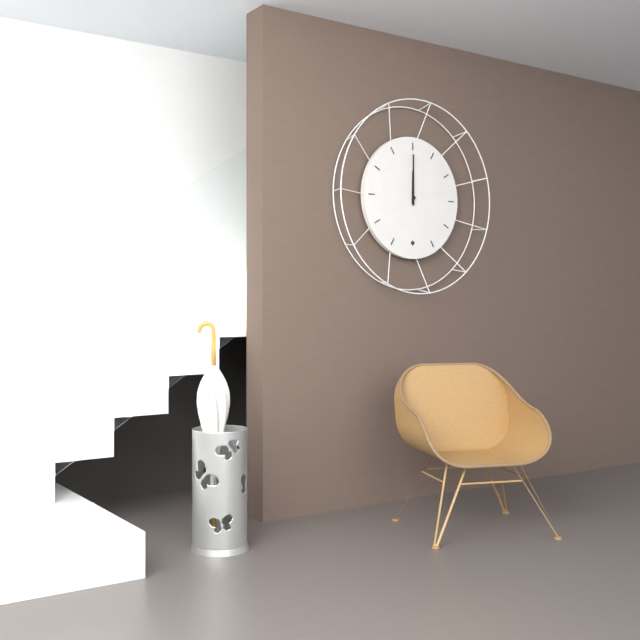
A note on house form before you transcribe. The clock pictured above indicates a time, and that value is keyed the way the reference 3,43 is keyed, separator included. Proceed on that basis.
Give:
12,00
